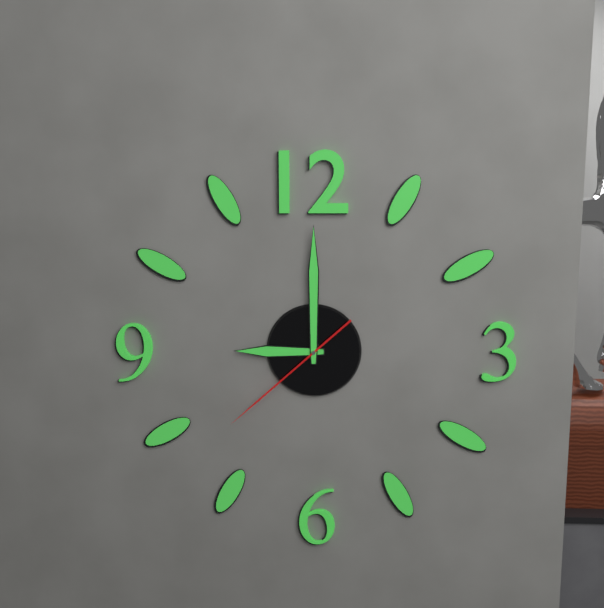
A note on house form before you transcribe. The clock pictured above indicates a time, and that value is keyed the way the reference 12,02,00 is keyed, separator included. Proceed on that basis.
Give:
9,00,38
